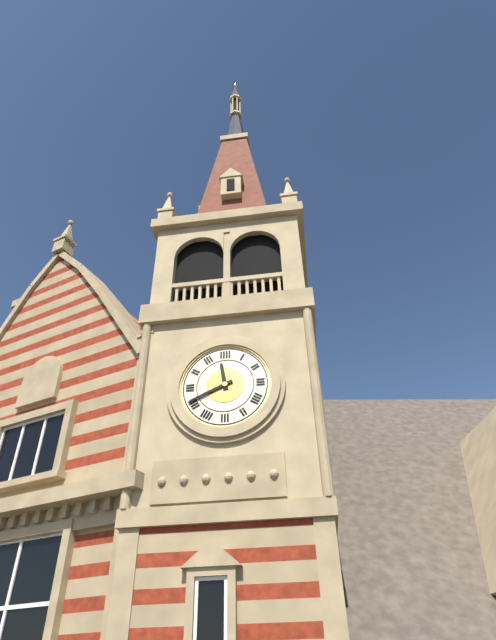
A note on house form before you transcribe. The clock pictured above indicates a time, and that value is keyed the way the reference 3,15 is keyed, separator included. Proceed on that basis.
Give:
11,41
